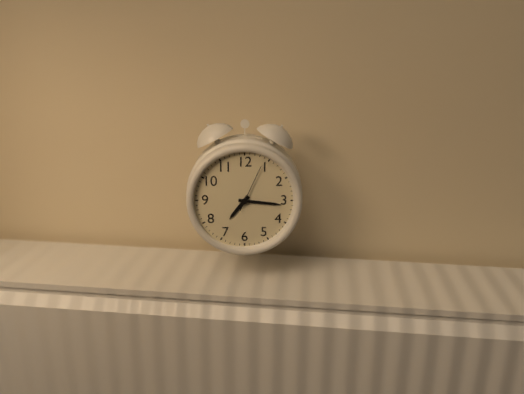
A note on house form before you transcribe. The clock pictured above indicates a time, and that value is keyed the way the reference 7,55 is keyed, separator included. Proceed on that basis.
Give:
7,16
